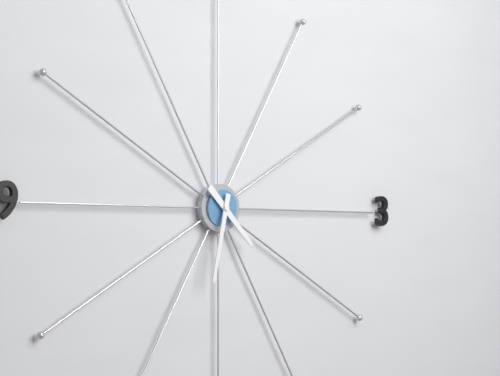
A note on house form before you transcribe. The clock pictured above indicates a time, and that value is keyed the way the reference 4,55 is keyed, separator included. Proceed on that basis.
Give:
4,32
